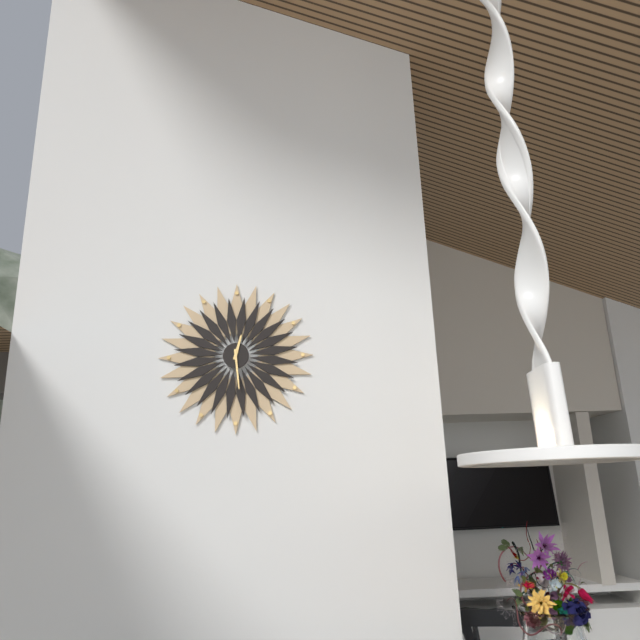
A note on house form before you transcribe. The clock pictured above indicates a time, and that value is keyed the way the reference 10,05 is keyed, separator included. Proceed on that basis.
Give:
12,29
